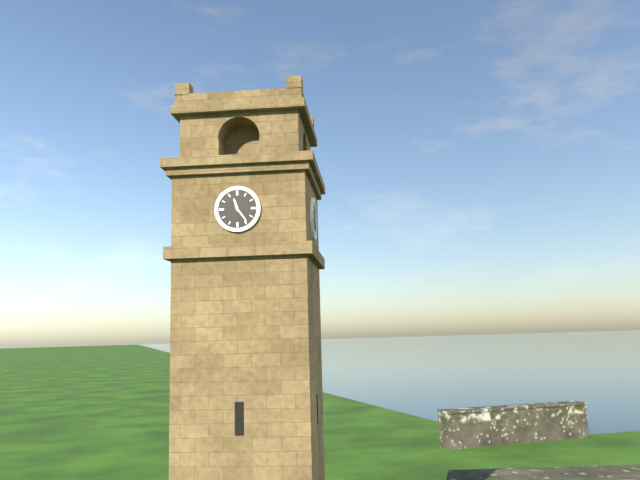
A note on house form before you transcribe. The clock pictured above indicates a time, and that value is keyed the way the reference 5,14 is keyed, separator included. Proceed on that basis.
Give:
11,24
